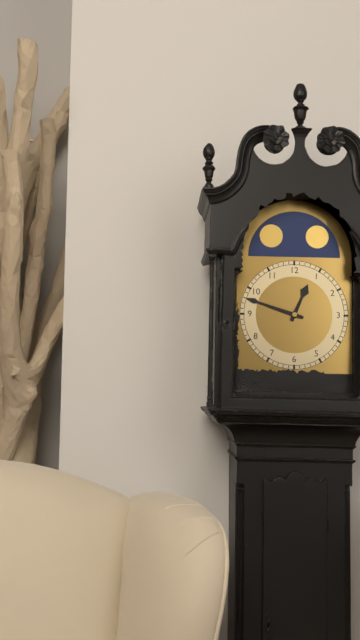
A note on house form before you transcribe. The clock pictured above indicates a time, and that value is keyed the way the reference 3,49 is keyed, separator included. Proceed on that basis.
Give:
12,48
